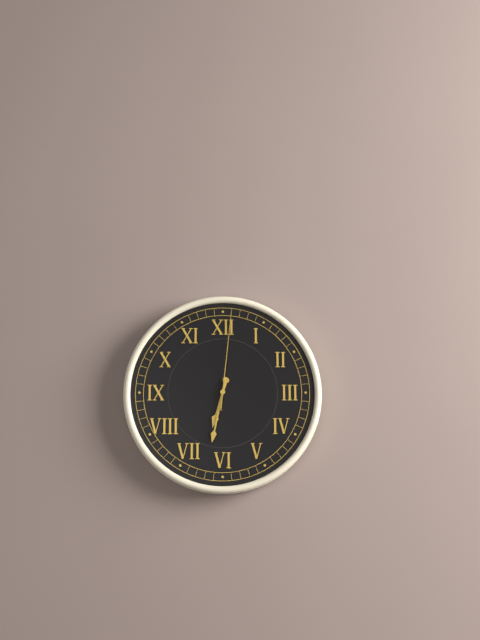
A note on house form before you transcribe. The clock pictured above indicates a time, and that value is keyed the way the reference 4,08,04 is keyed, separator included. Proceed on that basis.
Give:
6,32,01
